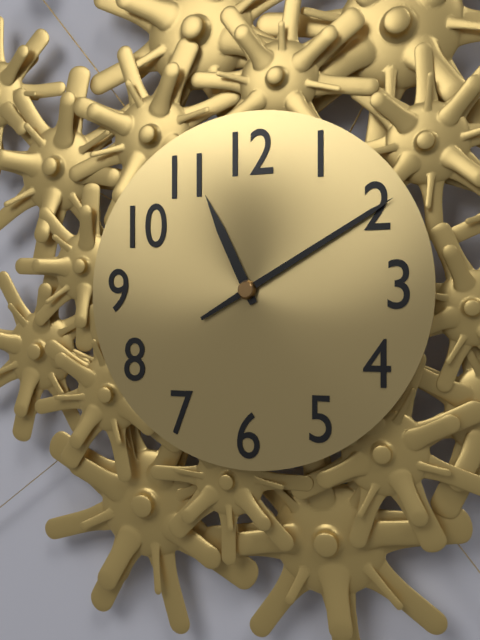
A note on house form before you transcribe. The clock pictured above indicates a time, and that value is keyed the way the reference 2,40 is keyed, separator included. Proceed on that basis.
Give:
11,10
